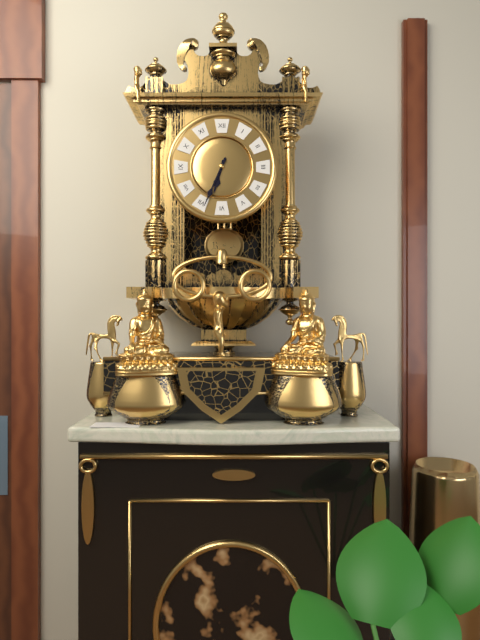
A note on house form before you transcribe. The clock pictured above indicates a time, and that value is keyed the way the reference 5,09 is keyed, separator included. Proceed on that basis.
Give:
6,34
